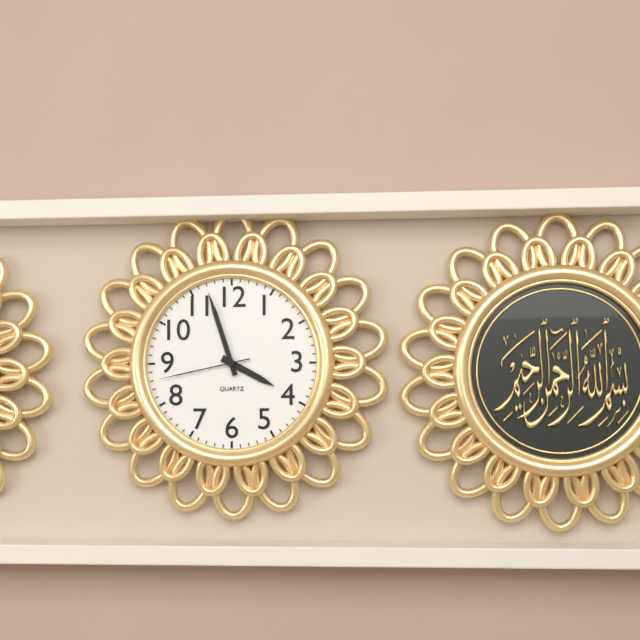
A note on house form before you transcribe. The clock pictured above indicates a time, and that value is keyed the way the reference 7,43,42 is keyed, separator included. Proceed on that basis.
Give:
3,57,43
